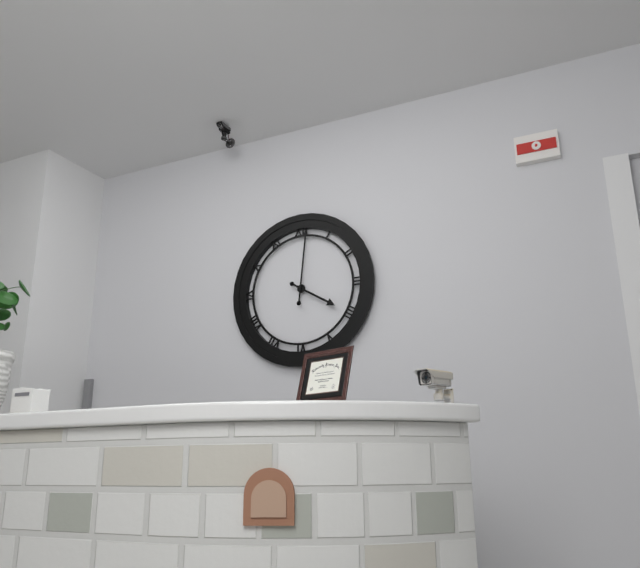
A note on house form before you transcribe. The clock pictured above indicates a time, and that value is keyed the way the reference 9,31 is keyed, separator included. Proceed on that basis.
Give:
4,01
